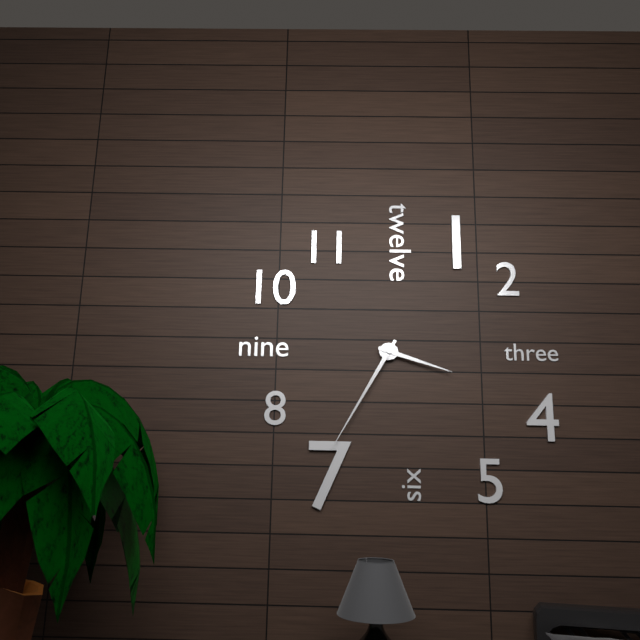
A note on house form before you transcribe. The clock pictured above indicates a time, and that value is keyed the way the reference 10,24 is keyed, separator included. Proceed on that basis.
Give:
3,35
